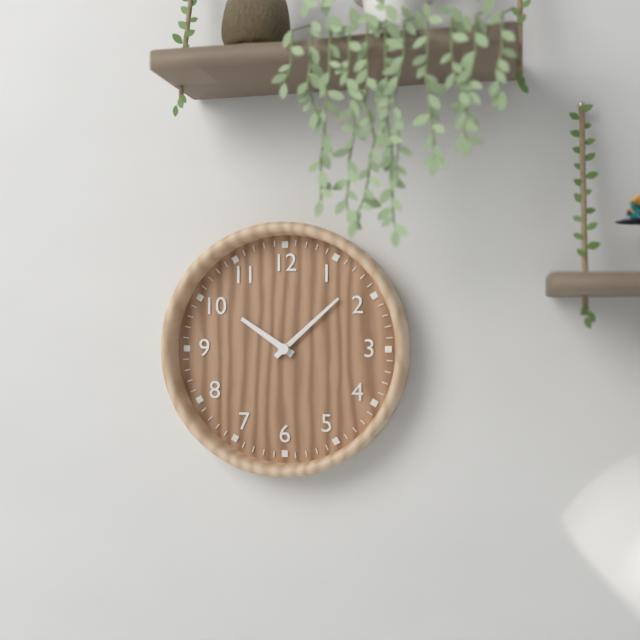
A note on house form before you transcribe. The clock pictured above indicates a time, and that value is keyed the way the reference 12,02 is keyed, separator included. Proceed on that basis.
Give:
10,08
